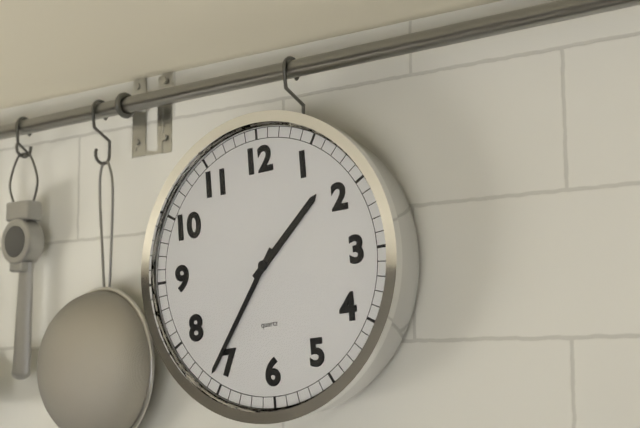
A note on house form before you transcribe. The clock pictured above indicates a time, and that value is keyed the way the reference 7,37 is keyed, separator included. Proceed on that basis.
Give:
1,36
